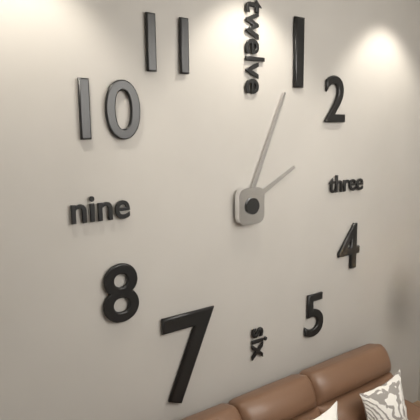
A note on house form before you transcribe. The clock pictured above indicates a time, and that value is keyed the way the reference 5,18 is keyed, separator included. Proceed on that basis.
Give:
2,04
